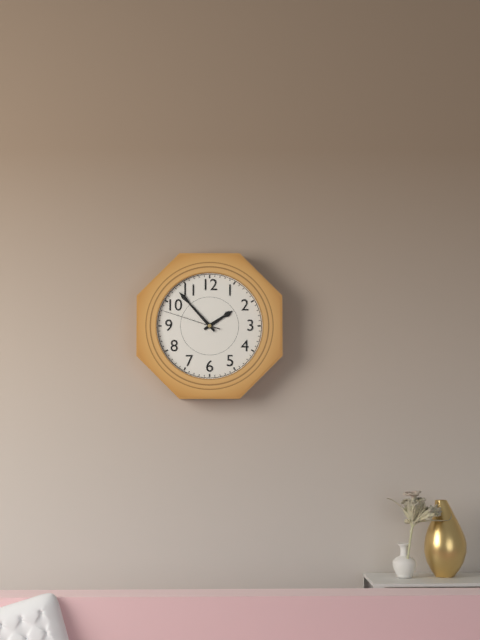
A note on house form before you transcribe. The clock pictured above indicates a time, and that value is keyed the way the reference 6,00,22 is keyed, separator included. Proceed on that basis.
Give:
1,53,48
